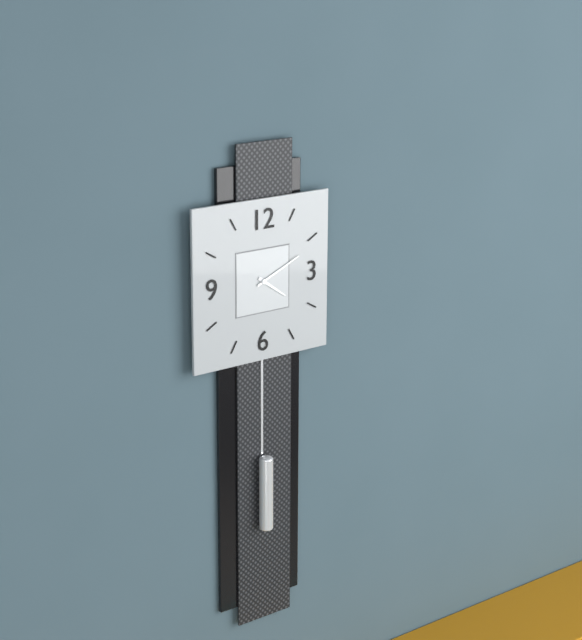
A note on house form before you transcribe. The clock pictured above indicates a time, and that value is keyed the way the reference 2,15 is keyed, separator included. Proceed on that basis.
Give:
4,11
